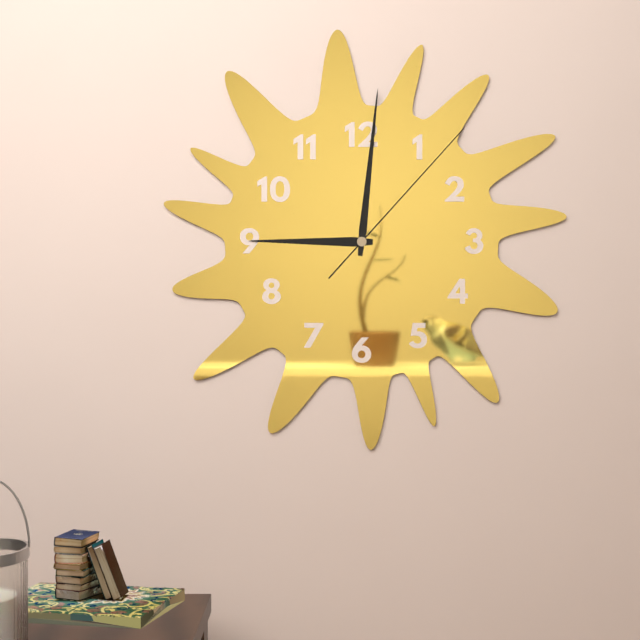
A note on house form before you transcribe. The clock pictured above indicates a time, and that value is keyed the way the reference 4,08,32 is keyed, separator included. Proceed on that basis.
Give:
9,01,07
